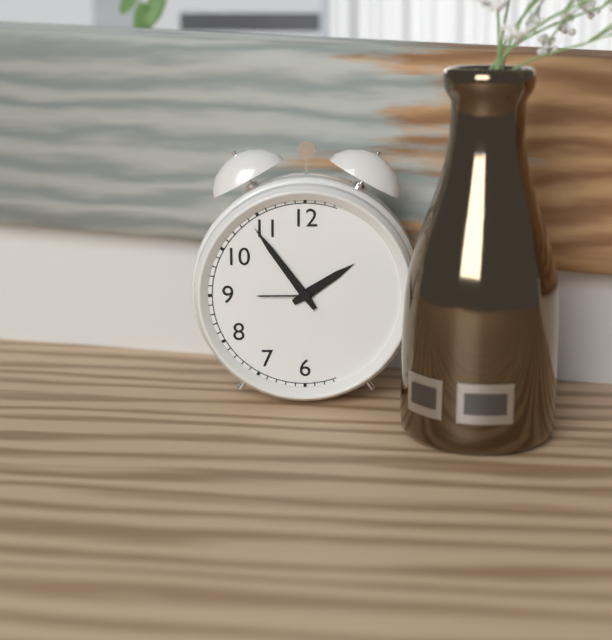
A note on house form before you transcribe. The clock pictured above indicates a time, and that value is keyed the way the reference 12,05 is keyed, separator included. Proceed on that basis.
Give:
1,54
